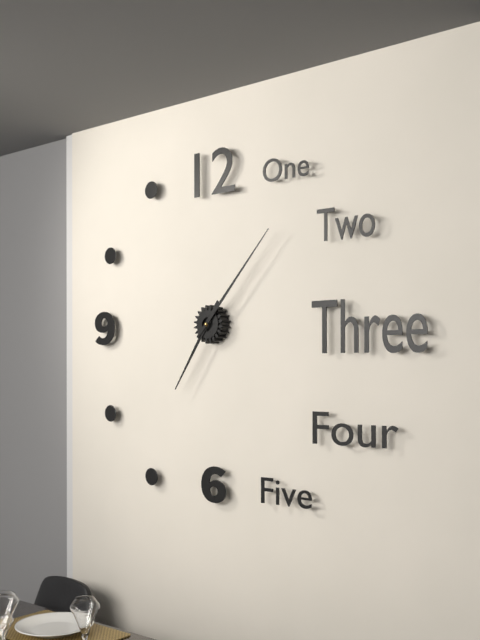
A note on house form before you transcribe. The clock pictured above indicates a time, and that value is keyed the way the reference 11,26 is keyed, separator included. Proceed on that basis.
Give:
7,07
